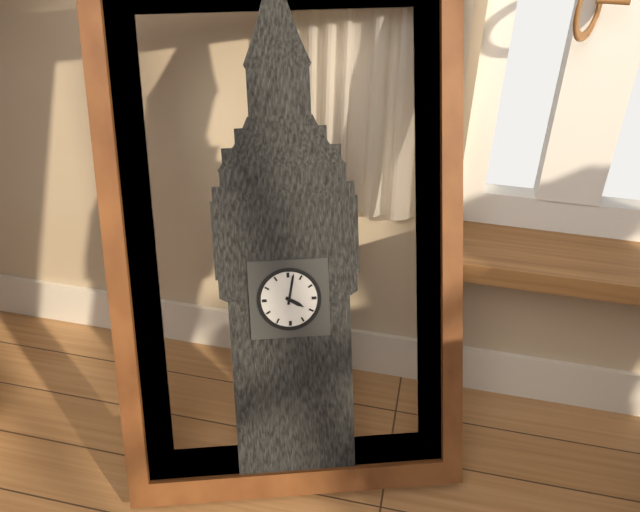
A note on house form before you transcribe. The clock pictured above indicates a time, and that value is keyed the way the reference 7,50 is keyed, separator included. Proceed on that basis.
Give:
4,02
